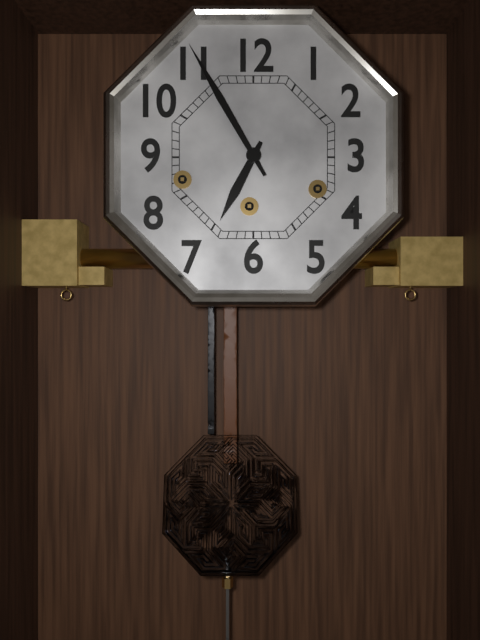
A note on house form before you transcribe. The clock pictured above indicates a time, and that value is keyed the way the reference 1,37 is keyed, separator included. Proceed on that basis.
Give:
6,55
